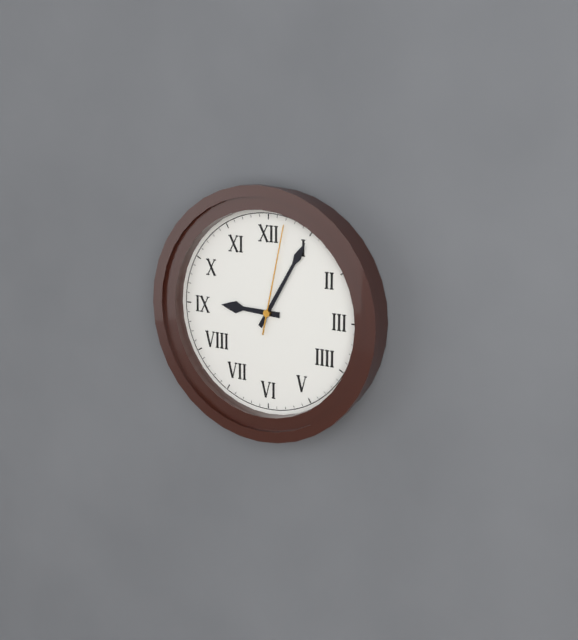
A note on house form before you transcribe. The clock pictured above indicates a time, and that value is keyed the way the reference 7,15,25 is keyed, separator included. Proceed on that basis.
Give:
9,05,02
